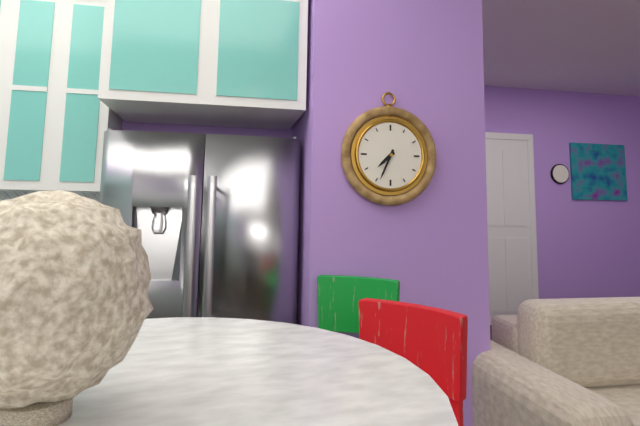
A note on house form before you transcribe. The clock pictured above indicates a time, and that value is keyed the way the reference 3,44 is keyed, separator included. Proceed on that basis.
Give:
7,34
